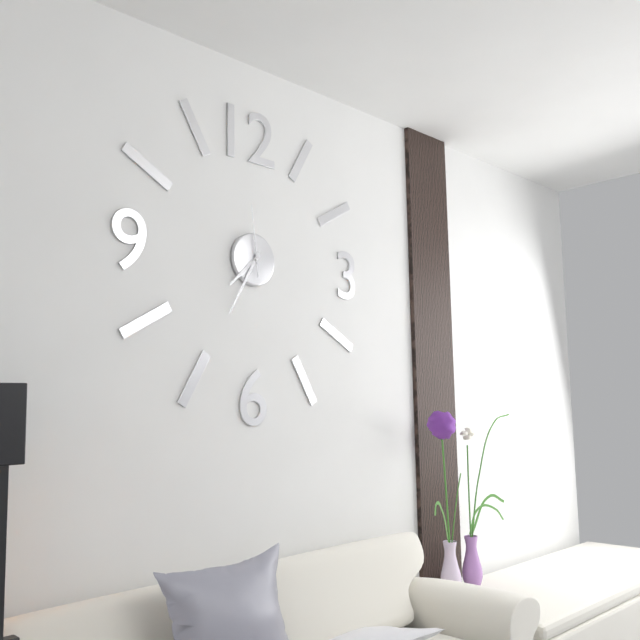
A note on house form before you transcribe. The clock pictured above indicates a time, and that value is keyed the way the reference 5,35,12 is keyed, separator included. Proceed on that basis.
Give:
7,35,59
